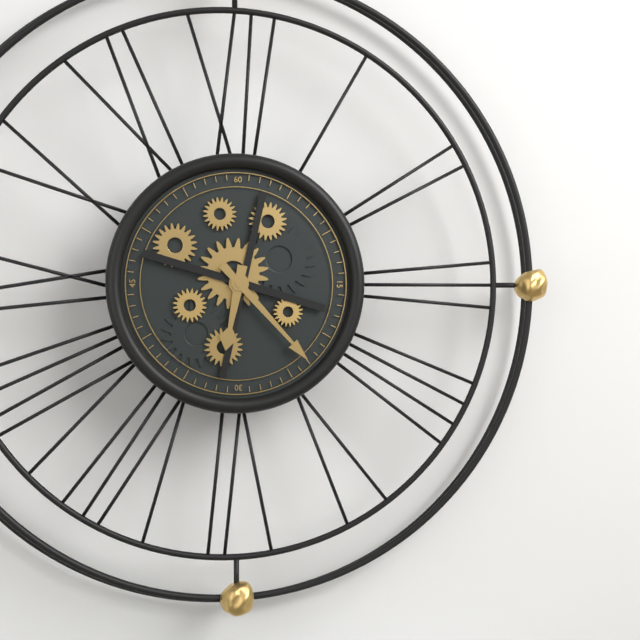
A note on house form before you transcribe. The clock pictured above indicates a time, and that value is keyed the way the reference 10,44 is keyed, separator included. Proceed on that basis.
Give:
6,23
